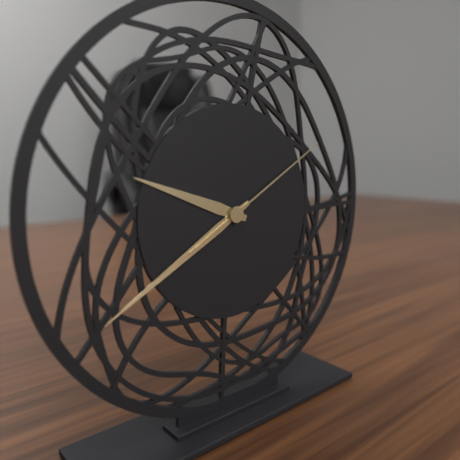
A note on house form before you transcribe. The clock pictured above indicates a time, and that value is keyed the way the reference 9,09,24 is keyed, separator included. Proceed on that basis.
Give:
9,40,10
